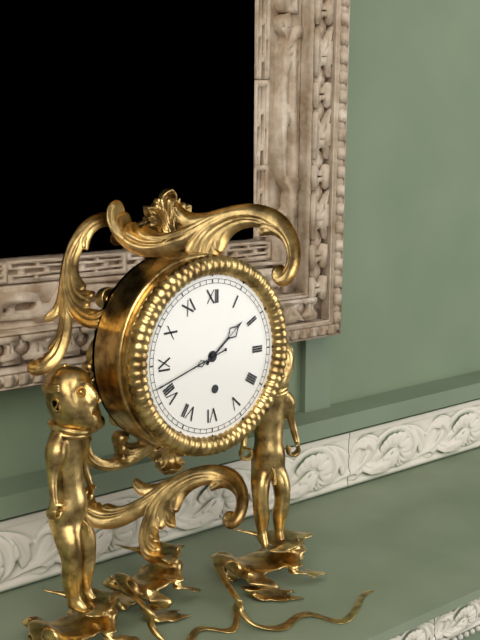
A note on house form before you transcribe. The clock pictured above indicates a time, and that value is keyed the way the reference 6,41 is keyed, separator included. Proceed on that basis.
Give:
1,42
